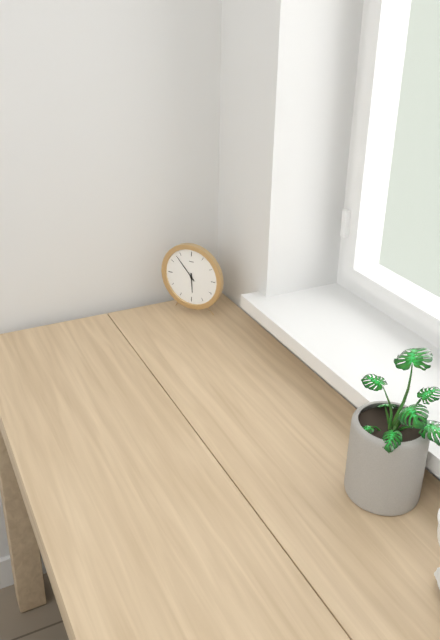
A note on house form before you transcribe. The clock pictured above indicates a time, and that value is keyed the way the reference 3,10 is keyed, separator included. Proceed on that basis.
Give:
5,53
